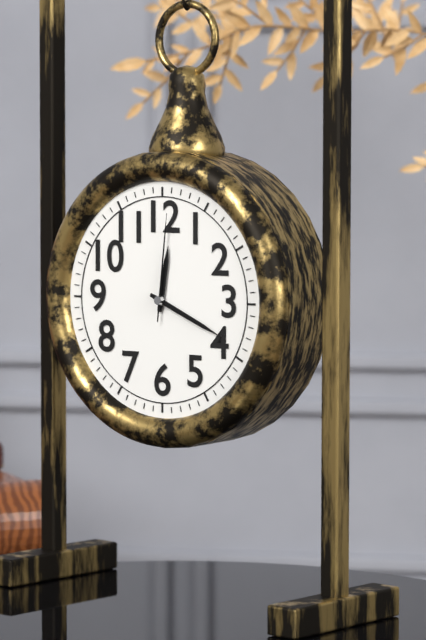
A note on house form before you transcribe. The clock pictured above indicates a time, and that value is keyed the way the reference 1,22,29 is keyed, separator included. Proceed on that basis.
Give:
12,19,01
